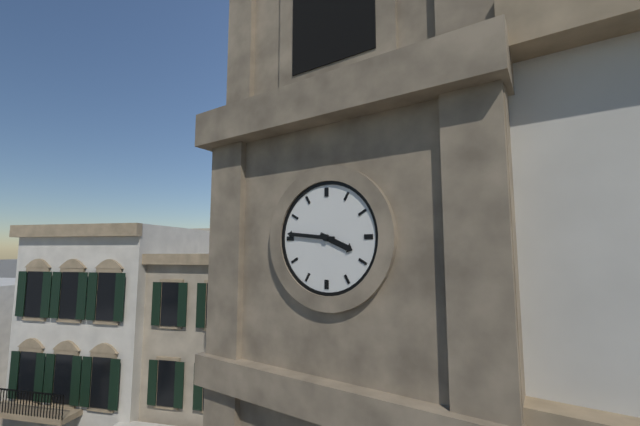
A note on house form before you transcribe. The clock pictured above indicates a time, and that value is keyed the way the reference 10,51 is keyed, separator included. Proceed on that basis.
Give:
3,46
